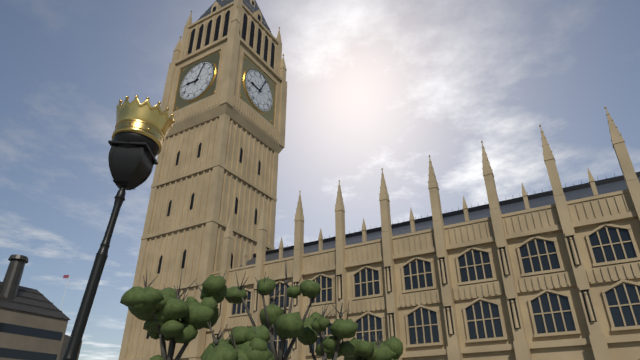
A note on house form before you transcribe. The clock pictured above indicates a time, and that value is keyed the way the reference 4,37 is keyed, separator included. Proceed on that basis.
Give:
9,04
